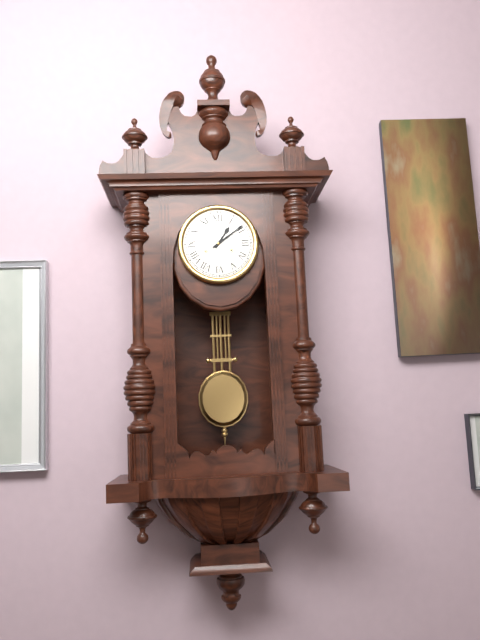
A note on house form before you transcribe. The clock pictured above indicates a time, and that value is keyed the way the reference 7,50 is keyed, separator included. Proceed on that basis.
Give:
1,09
